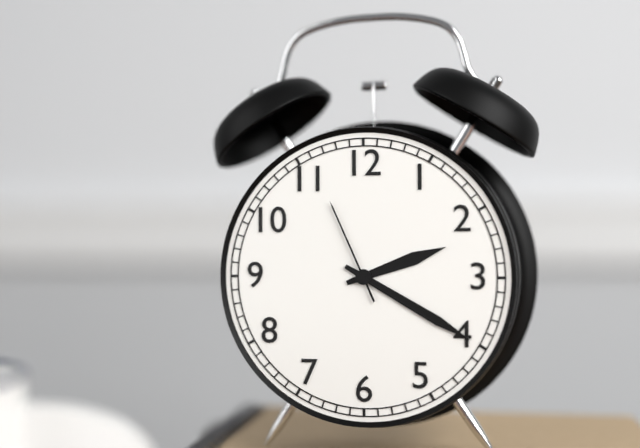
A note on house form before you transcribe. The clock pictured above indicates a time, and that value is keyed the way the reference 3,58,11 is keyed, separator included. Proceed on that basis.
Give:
2,20,56
